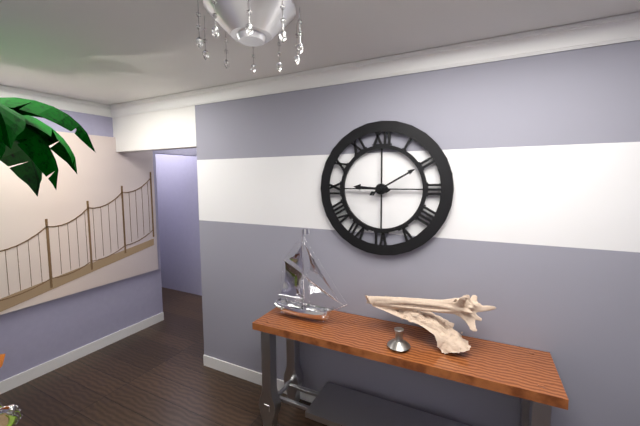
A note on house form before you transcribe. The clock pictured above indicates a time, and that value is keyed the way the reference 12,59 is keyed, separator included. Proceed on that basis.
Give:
9,10
